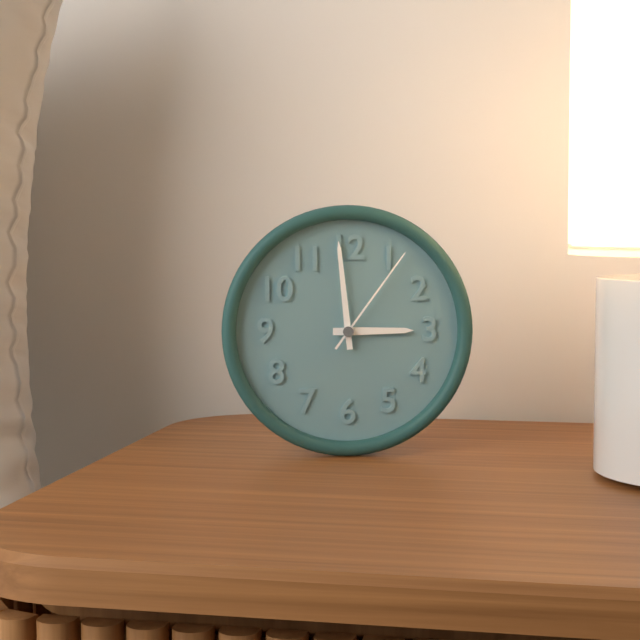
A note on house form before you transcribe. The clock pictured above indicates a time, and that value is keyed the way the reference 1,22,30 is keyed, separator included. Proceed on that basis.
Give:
2,59,06
